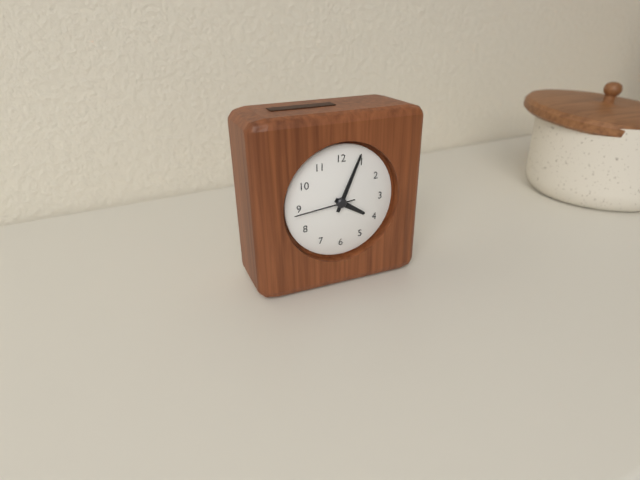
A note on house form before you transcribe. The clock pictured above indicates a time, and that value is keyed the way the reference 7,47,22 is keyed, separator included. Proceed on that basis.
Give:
4,04,44
